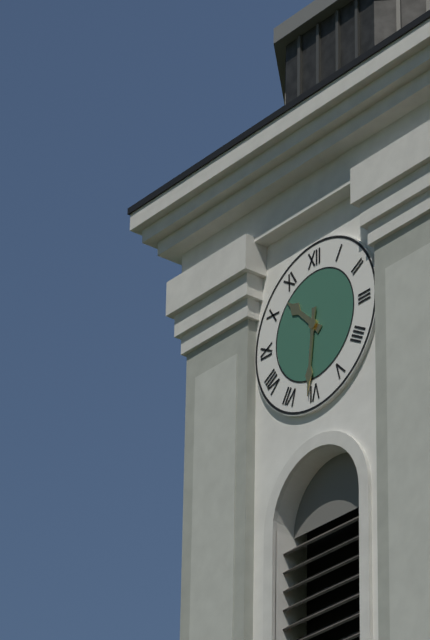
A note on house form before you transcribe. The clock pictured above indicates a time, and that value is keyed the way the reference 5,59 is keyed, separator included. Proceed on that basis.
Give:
10,31
